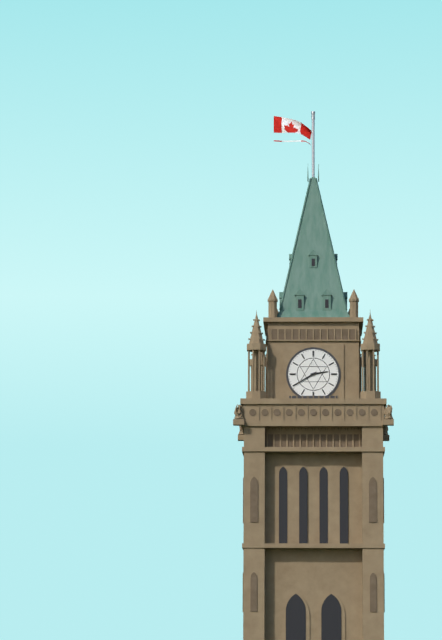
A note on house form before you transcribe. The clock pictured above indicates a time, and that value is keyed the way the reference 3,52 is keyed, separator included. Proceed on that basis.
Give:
2,40
